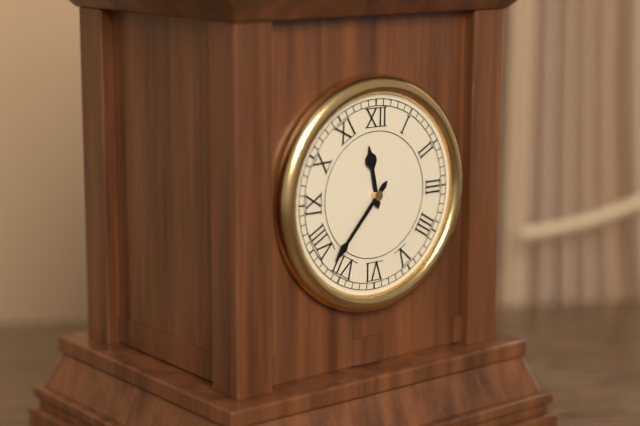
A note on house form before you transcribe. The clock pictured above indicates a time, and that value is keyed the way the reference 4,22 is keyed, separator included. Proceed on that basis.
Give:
11,37
